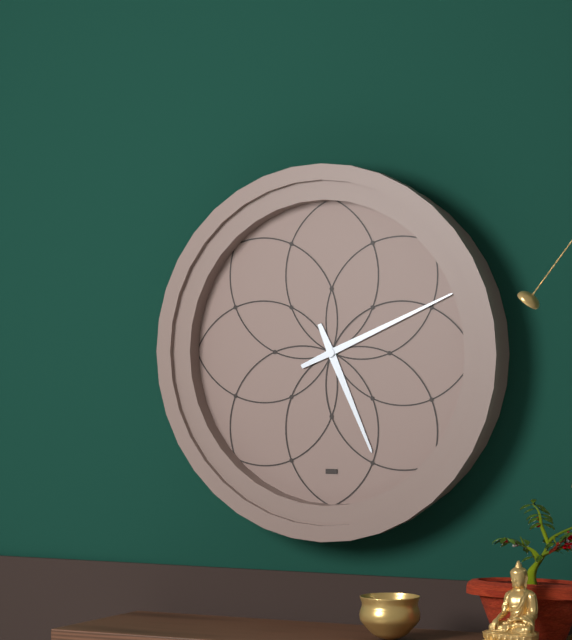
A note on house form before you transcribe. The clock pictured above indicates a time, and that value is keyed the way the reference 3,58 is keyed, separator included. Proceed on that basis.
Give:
5,11
